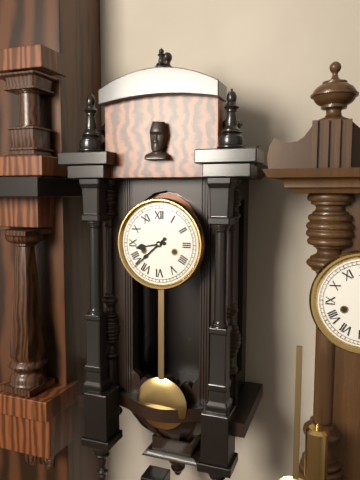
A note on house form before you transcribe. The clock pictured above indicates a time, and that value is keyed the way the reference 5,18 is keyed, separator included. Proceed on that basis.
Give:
8,38
